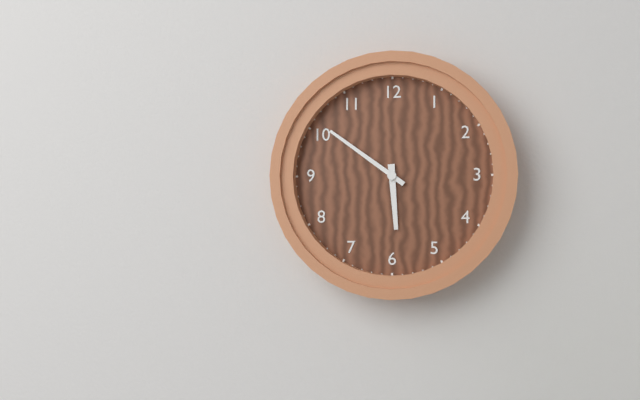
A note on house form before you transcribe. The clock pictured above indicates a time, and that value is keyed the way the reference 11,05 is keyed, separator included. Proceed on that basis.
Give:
5,51
